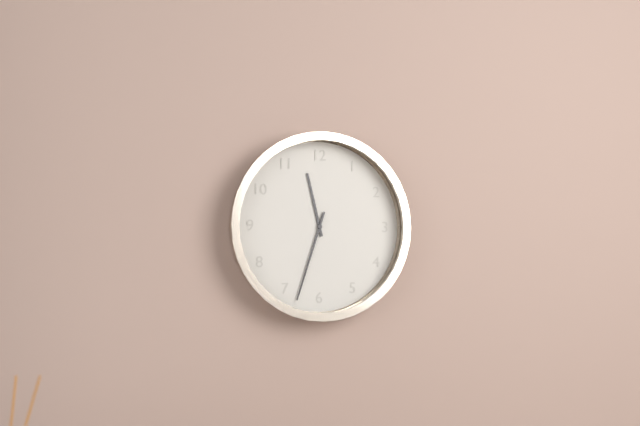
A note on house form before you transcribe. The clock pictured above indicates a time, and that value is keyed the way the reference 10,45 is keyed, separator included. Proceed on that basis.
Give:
11,33
